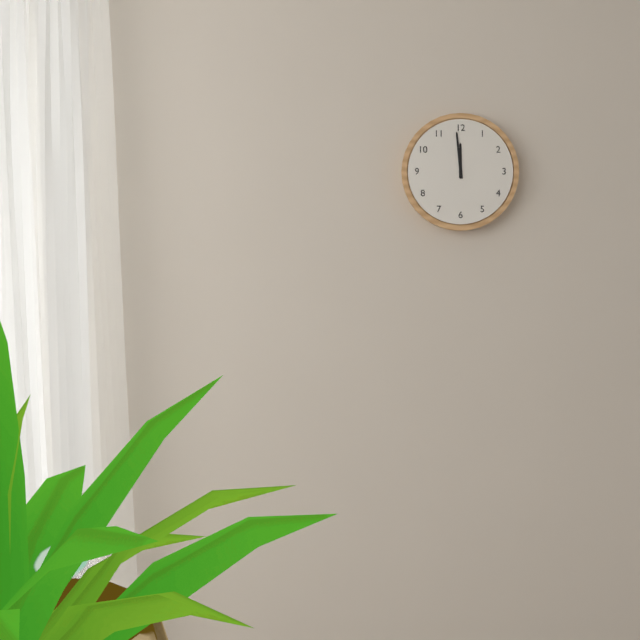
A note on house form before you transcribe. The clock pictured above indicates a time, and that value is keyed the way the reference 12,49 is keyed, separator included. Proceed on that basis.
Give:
11,59
